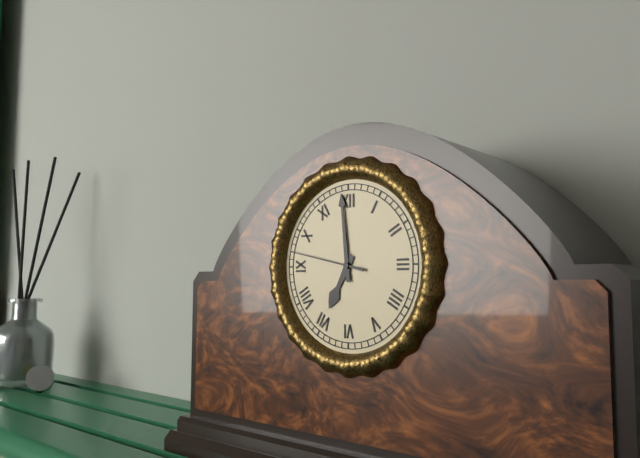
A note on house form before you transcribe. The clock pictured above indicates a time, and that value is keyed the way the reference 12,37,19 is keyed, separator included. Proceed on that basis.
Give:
6,59,47
